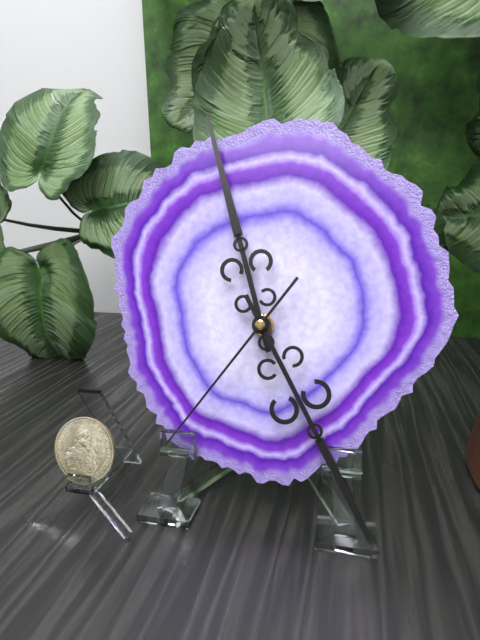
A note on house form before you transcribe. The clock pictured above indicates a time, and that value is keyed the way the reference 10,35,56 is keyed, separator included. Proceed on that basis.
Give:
11,25,36
